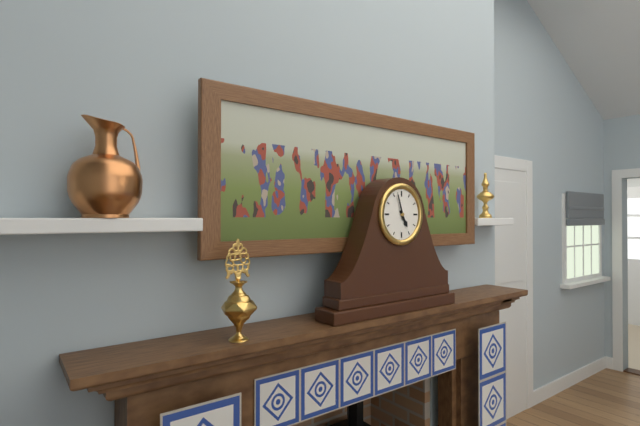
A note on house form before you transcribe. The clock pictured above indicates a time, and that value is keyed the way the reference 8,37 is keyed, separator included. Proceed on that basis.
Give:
4,57
